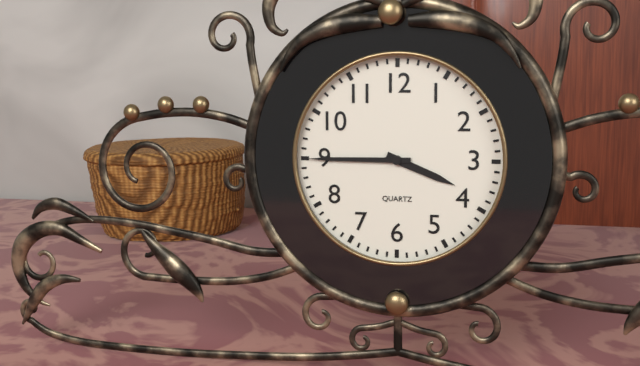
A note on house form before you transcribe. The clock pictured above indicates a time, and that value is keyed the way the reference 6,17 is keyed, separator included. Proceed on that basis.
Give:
3,45
